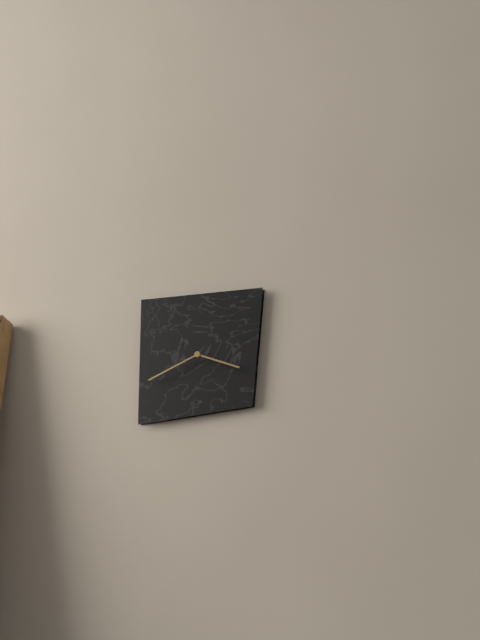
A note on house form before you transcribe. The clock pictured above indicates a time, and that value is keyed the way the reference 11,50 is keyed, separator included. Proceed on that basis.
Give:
3,41
